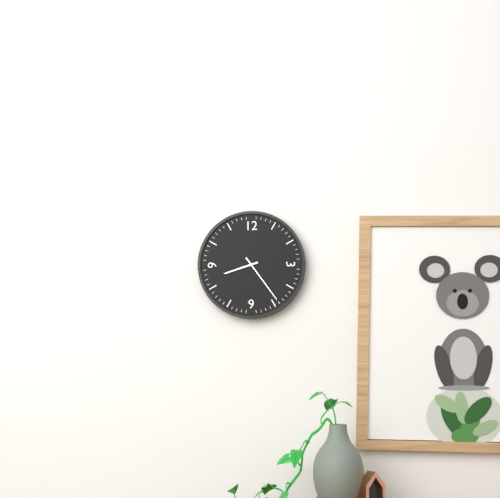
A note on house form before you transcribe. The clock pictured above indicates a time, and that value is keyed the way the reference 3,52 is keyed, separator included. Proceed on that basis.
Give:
8,24
